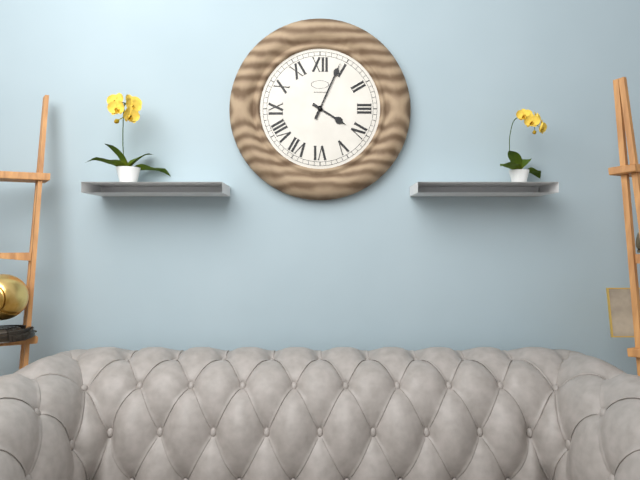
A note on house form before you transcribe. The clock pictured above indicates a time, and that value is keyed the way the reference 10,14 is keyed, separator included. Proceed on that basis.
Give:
4,04
